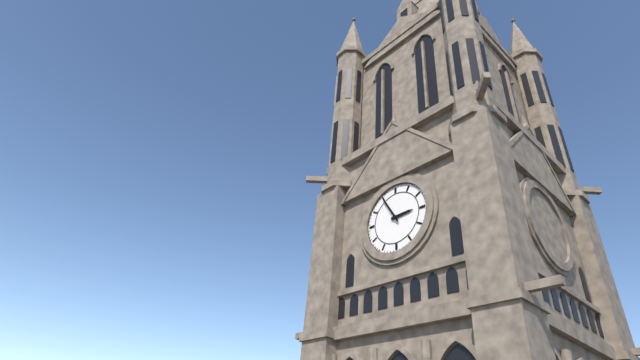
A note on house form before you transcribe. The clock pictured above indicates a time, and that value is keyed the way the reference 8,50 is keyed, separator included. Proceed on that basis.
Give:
2,55
